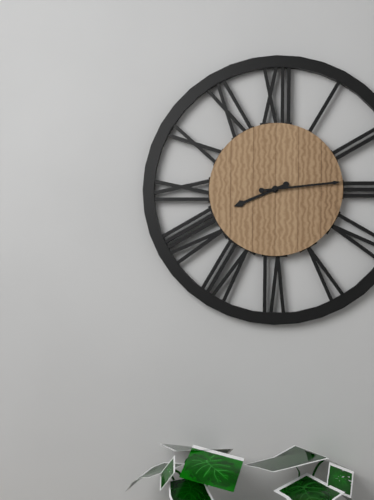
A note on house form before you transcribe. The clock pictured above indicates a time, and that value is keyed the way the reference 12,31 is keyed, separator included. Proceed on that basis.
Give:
8,14
